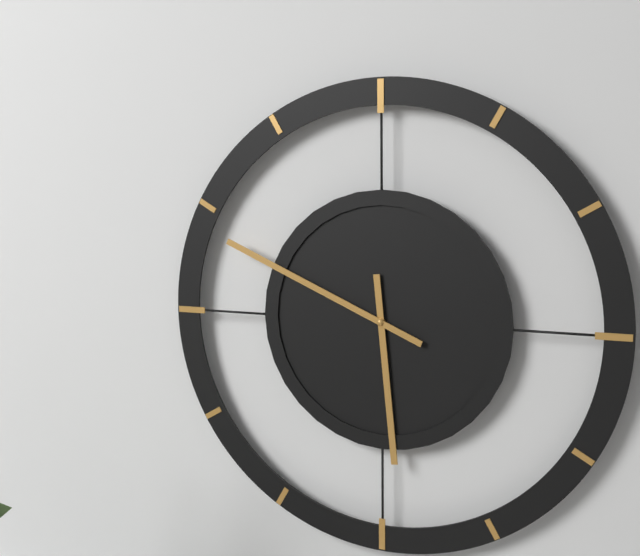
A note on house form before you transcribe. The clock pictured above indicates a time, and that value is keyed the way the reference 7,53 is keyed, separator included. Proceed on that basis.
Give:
5,49
